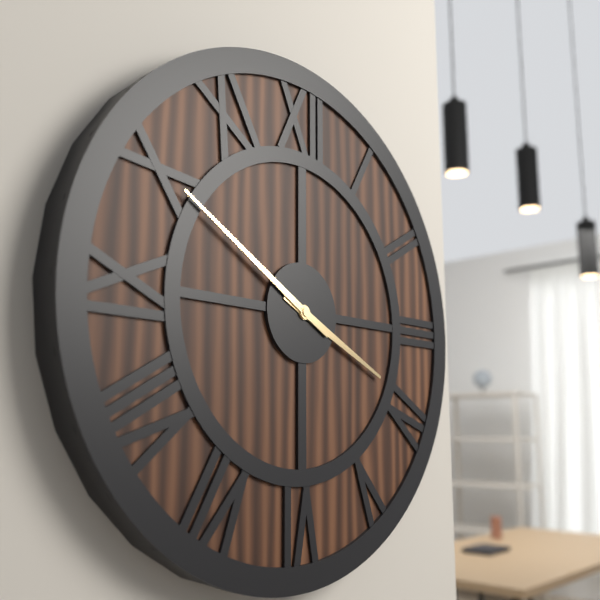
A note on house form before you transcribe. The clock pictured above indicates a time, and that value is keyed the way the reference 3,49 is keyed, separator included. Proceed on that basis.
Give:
3,50
